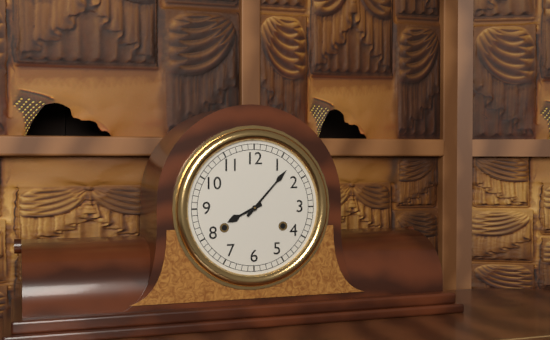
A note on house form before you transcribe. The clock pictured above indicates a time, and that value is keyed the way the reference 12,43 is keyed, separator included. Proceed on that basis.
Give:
8,07
